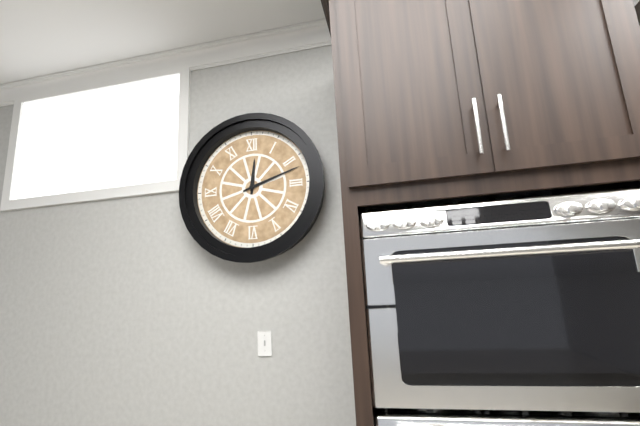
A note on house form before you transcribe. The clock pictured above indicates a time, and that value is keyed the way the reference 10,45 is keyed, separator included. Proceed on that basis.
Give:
12,12
